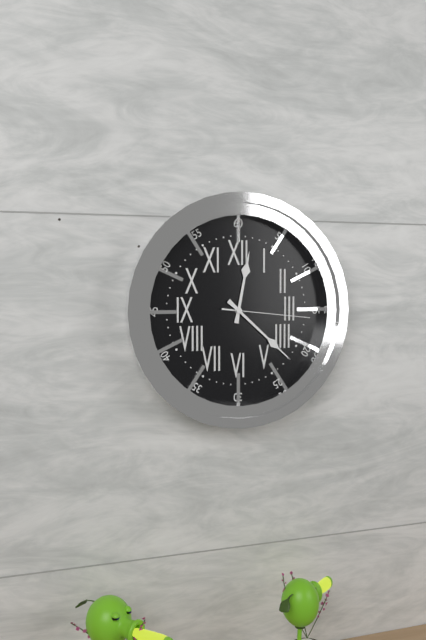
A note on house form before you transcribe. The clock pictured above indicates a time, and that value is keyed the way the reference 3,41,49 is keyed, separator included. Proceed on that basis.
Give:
12,22,16
